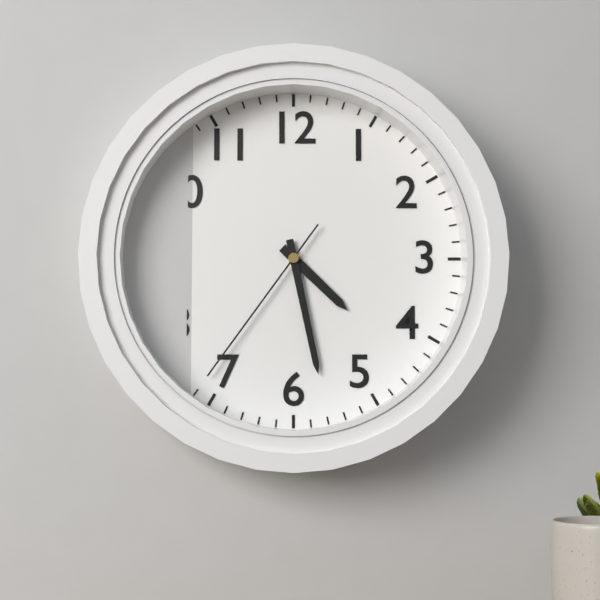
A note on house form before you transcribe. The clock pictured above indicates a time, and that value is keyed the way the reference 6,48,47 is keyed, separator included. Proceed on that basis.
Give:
4,28,36
